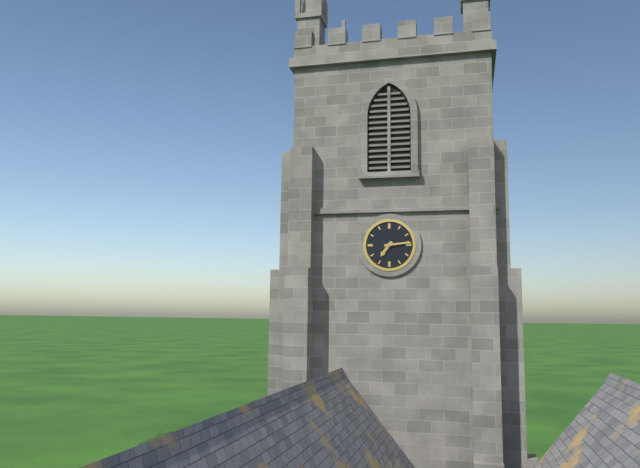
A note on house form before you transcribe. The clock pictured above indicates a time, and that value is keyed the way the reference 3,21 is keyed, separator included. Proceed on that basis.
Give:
7,14
